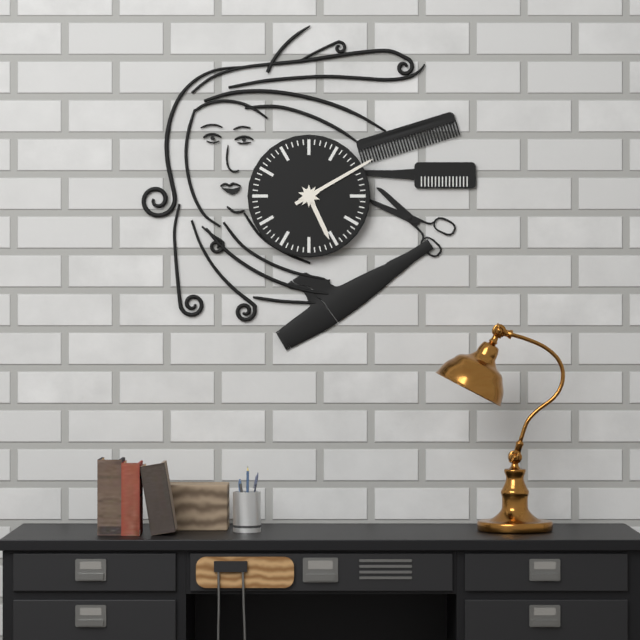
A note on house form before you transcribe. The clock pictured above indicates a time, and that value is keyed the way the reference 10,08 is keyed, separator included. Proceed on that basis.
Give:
5,10
